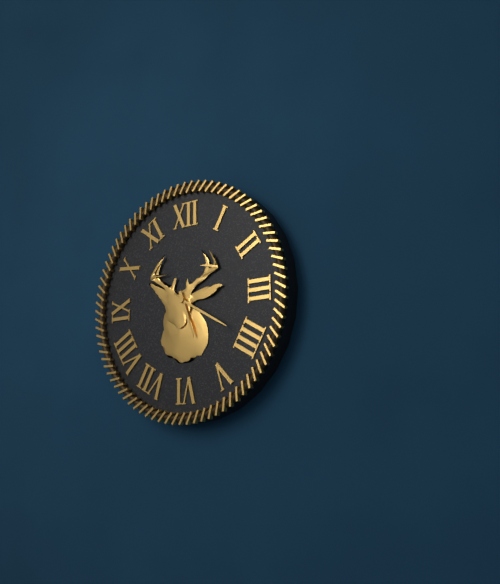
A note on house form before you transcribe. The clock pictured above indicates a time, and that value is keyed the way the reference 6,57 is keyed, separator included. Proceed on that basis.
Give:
5,20
